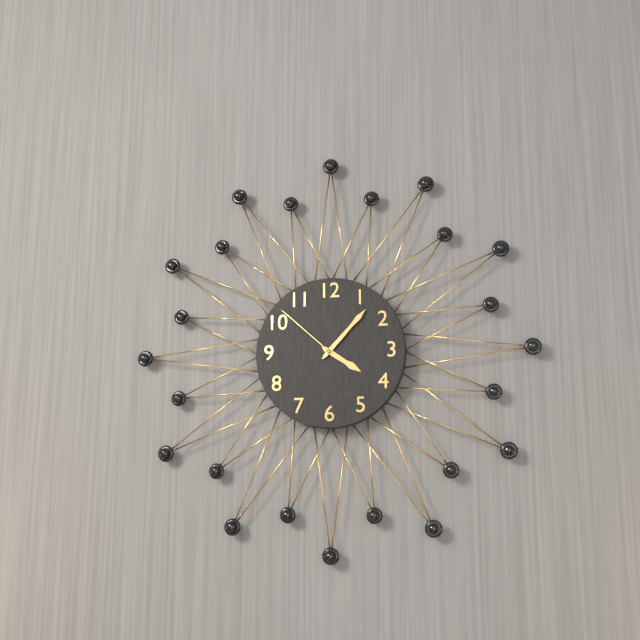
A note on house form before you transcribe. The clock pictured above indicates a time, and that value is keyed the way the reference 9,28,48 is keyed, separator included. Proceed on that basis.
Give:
4,07,52
